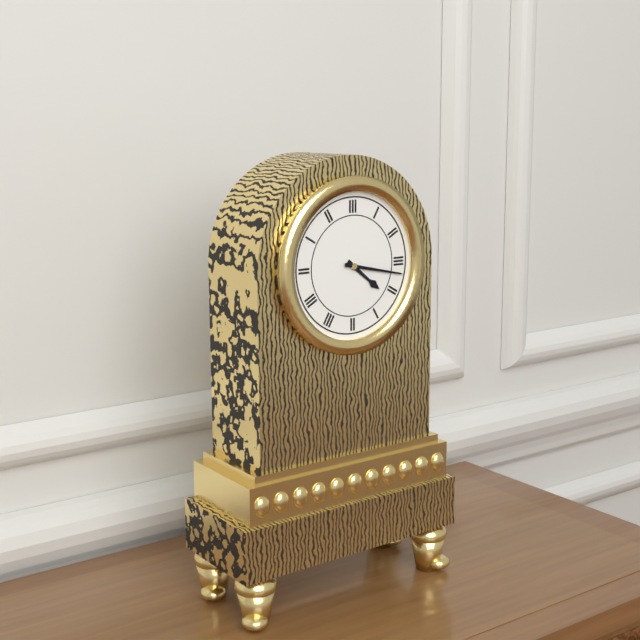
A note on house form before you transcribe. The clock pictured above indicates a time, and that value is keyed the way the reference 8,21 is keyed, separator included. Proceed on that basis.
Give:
4,17
